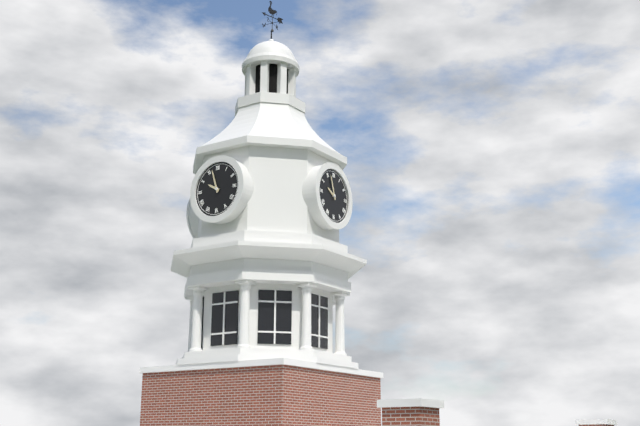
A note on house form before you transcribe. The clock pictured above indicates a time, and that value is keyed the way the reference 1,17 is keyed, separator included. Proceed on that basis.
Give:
9,57
